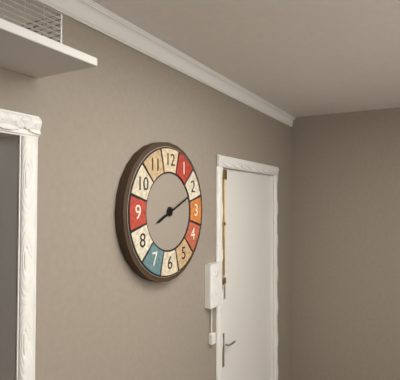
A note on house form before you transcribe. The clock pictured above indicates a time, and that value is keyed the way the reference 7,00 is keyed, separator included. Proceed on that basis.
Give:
8,11
